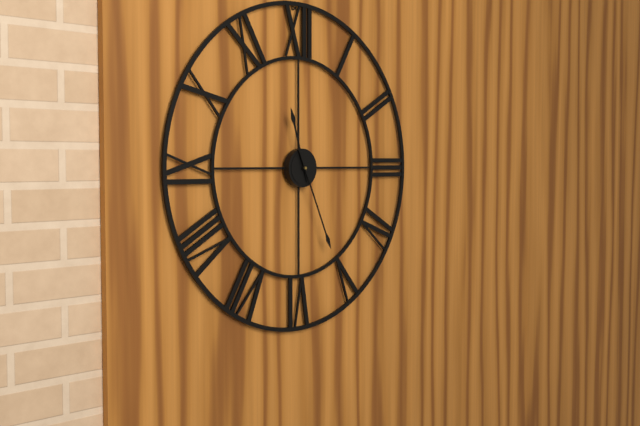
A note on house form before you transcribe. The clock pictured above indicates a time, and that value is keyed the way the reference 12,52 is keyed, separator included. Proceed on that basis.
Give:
11,26
